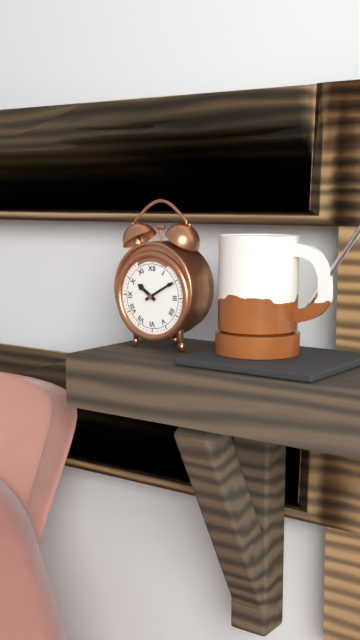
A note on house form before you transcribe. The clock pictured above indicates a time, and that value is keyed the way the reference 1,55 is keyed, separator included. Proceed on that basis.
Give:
10,10
